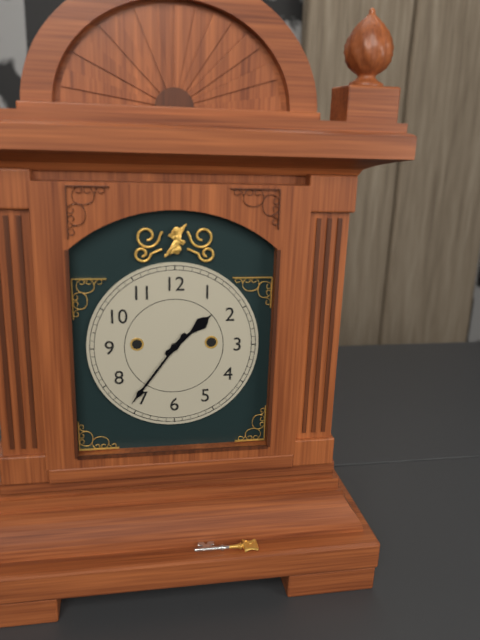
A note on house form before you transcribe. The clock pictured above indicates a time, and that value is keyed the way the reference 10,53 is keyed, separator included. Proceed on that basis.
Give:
1,36
